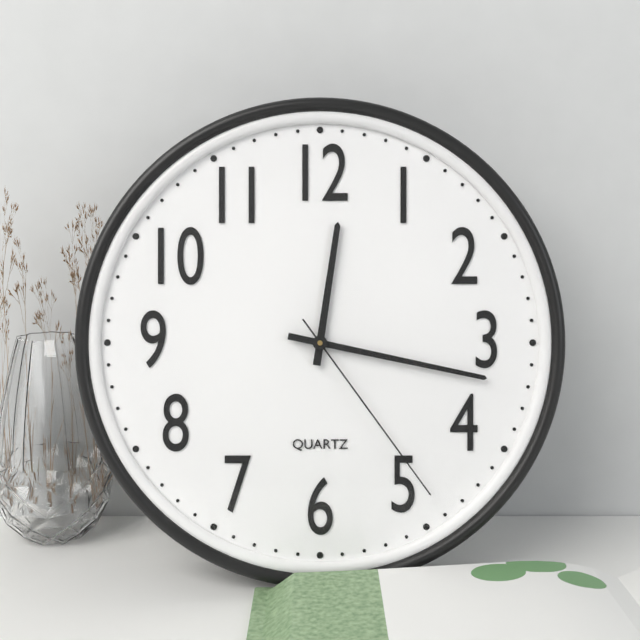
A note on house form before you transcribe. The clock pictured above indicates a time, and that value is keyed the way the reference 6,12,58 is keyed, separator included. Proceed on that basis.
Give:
12,17,24
